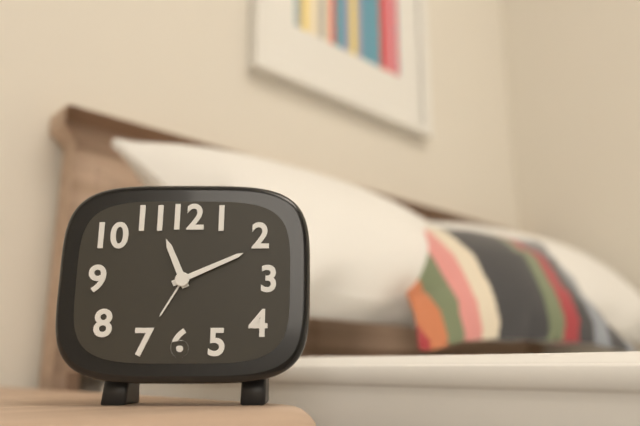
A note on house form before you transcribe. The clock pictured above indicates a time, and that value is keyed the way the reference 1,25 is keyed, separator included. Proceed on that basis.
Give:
11,11
